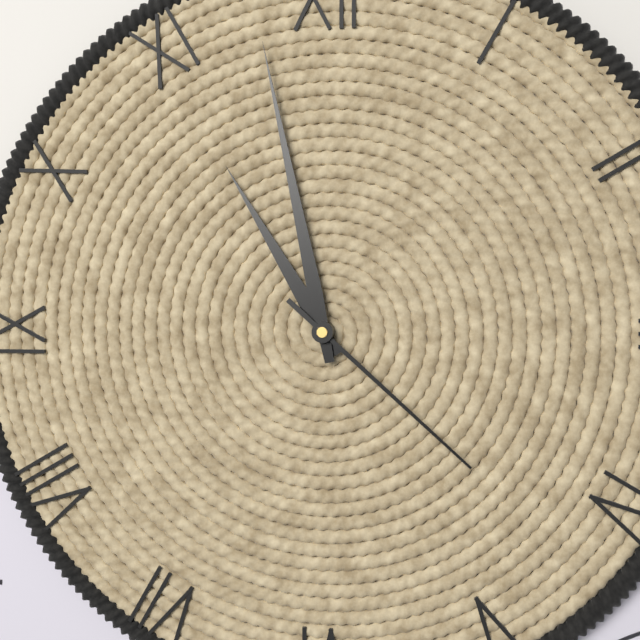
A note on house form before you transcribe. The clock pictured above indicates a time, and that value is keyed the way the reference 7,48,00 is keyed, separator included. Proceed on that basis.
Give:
10,58,22
